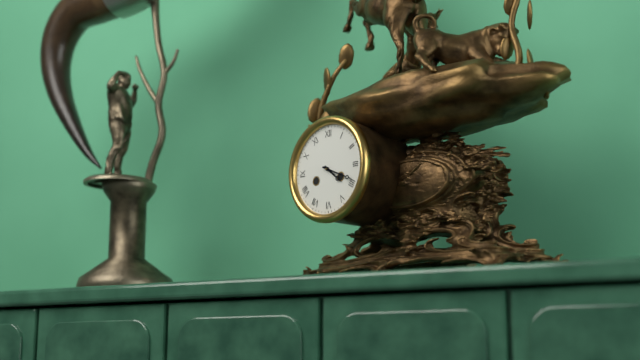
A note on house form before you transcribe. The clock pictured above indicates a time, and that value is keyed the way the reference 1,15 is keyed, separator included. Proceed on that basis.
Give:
4,19
